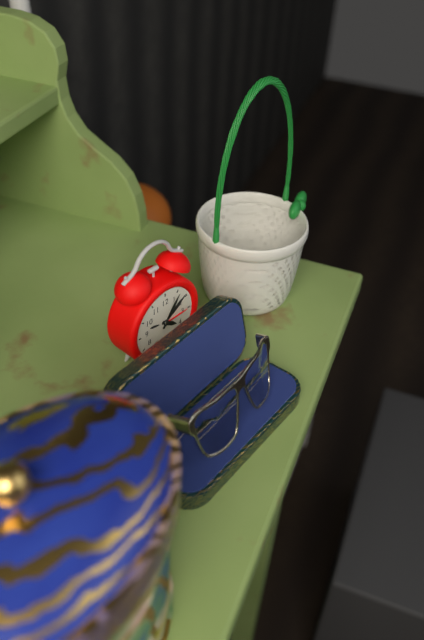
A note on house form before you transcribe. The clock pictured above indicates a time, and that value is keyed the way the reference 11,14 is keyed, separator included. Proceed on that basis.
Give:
4,06
